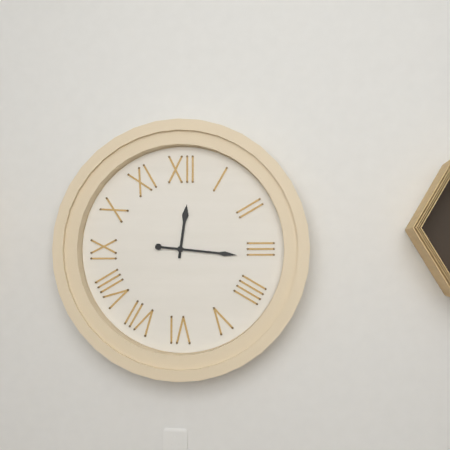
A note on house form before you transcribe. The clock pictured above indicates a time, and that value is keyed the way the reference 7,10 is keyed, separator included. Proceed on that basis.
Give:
12,16
